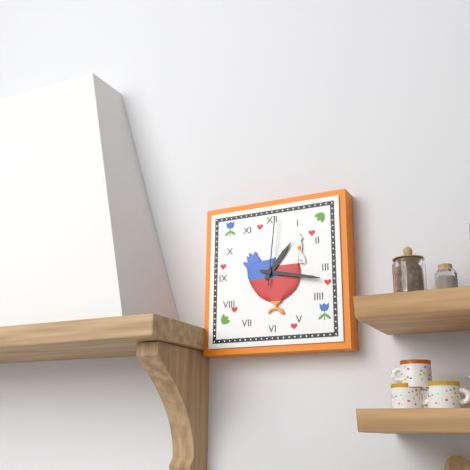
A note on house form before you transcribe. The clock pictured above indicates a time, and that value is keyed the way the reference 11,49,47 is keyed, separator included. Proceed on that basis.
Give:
1,17,01
